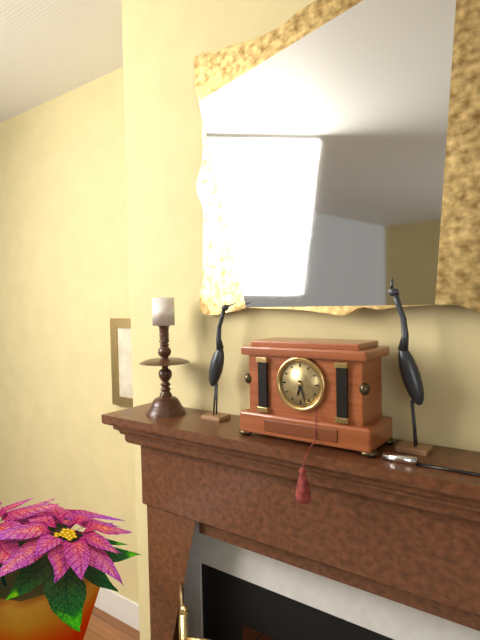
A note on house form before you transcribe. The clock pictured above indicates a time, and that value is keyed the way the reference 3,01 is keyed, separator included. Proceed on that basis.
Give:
6,27
